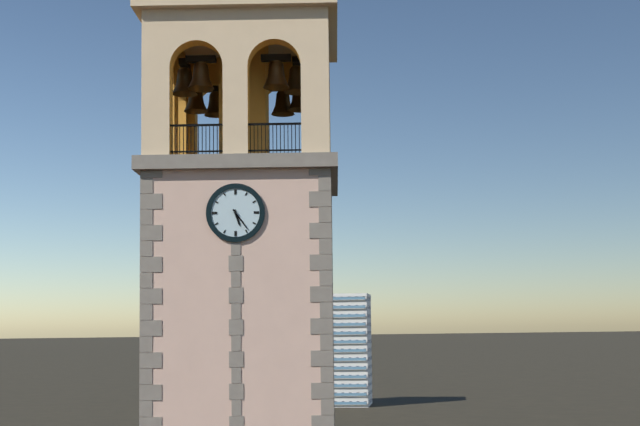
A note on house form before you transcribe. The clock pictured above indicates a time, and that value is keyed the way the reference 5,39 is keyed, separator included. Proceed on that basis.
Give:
5,24
